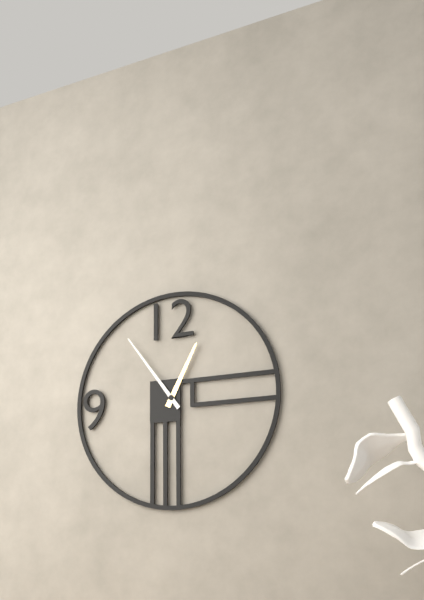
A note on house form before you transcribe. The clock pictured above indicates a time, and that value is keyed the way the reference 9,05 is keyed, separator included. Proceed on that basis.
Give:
12,54
